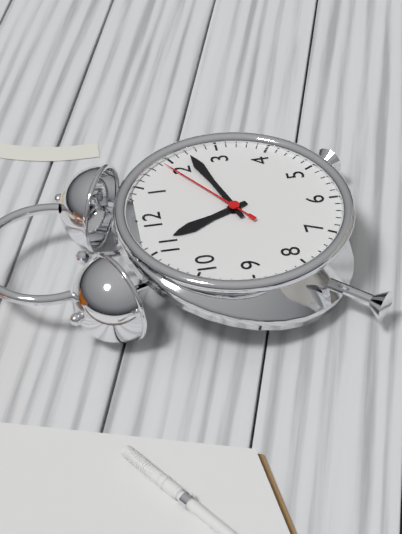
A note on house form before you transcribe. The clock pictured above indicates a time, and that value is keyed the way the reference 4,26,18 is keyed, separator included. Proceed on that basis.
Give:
11,12,09
